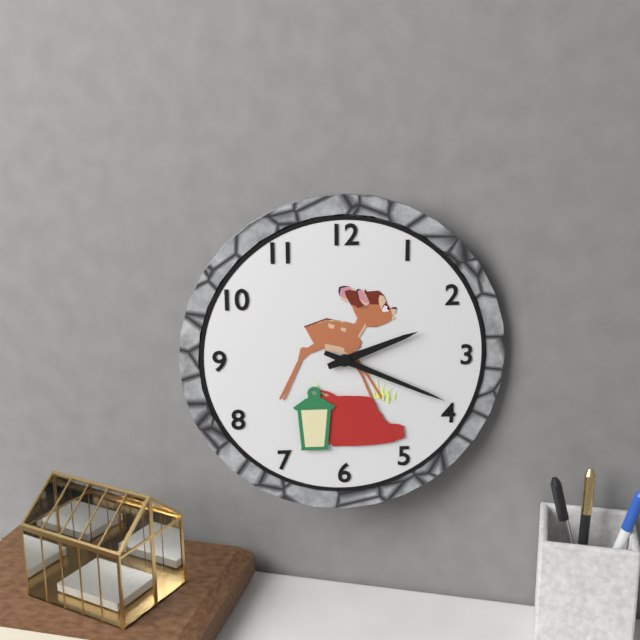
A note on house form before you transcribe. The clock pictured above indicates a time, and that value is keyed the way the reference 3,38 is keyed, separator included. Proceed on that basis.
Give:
2,19
